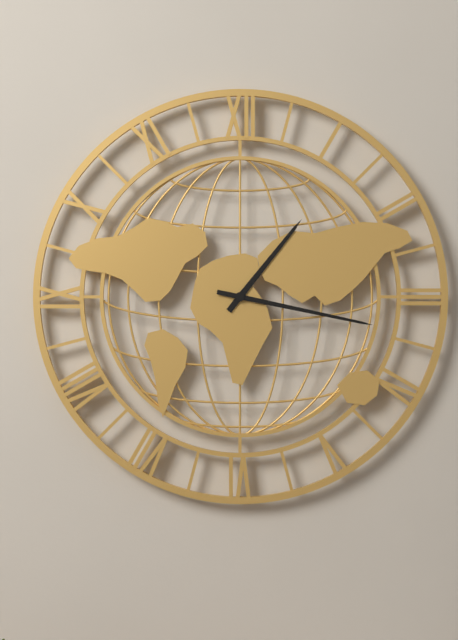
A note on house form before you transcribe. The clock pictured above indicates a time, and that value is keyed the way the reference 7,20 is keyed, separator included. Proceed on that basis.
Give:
1,17
